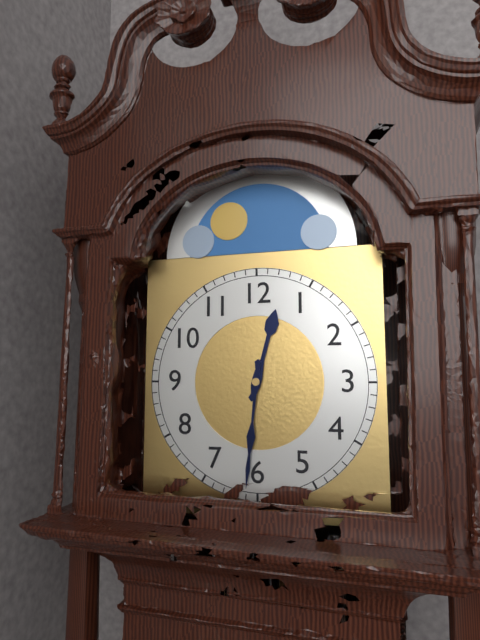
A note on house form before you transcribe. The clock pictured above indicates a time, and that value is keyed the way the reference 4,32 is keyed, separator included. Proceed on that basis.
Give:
12,31
